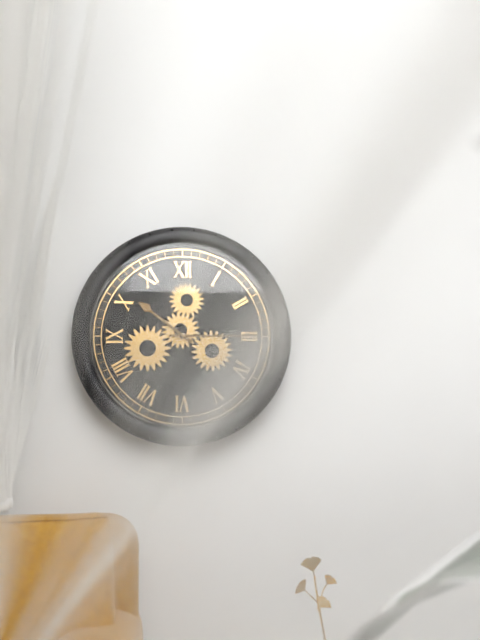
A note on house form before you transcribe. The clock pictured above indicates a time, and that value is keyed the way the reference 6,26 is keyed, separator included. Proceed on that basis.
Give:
10,15
